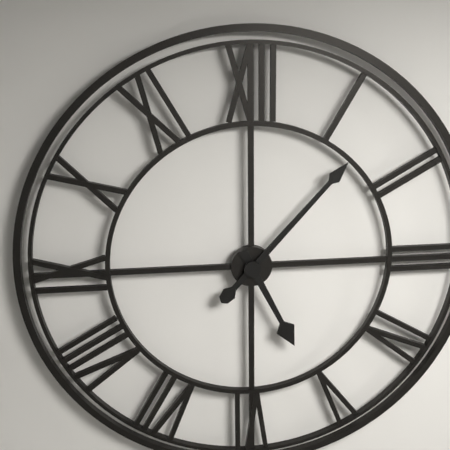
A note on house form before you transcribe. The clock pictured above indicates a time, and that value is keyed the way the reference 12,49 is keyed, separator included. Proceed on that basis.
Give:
5,07
